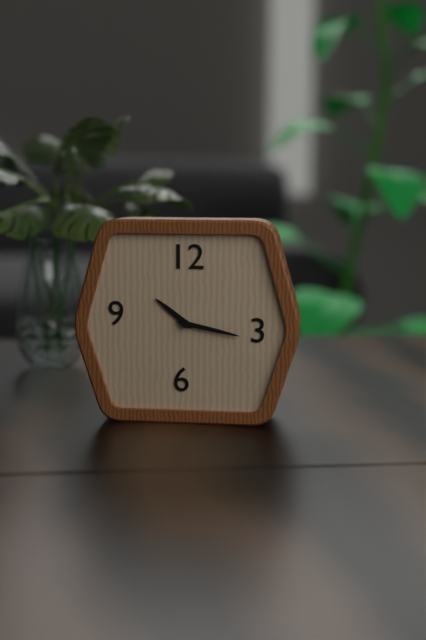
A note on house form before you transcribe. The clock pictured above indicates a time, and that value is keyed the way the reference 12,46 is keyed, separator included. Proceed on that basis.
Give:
10,17
